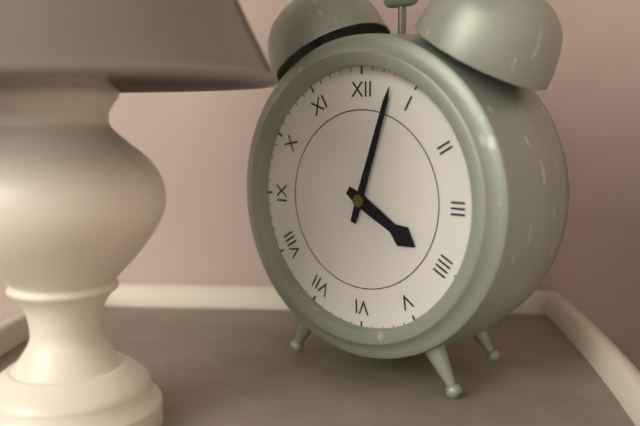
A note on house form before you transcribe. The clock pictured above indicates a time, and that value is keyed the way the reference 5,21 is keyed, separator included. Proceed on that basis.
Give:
4,03
